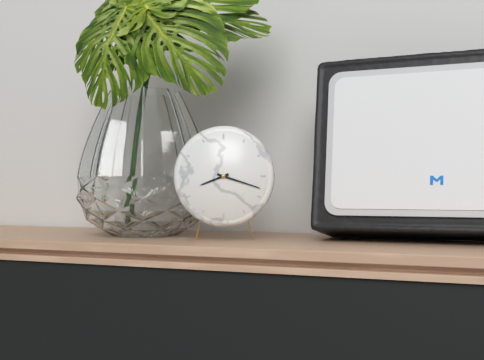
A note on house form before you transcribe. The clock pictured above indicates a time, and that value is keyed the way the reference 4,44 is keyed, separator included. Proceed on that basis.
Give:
8,18
